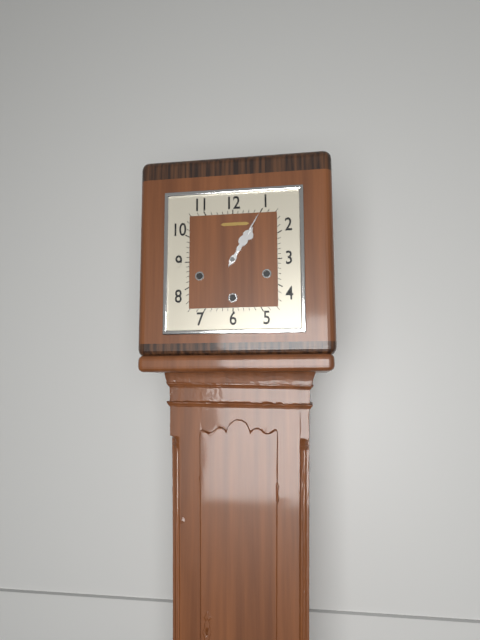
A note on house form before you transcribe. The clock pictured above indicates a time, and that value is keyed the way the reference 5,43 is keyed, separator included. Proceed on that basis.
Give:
1,05
